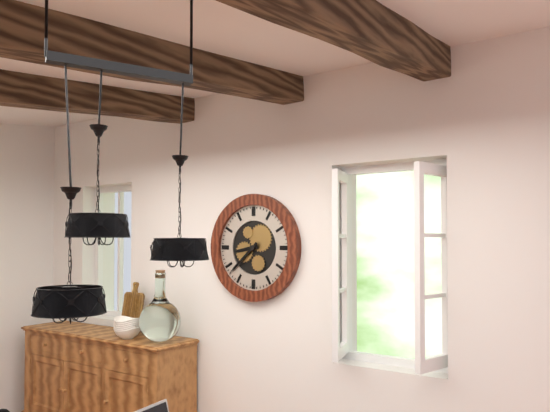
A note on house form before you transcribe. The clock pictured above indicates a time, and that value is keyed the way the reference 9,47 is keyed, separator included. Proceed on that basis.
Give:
8,38
